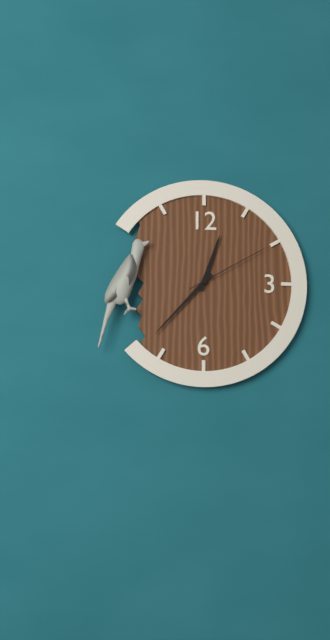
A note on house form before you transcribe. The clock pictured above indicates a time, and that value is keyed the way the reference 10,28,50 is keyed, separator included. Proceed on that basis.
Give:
12,37,10
